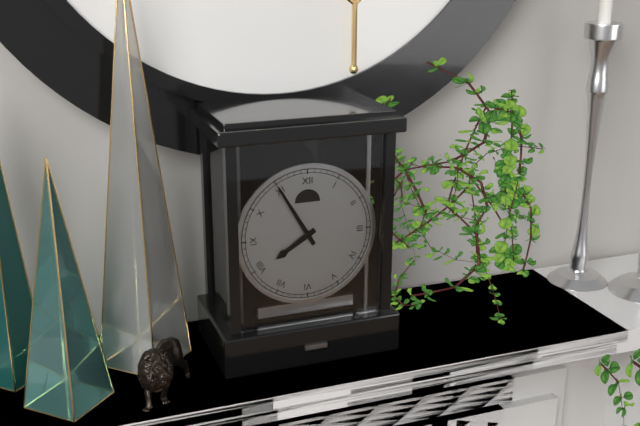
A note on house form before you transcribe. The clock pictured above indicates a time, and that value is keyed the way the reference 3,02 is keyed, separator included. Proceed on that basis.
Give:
7,55
